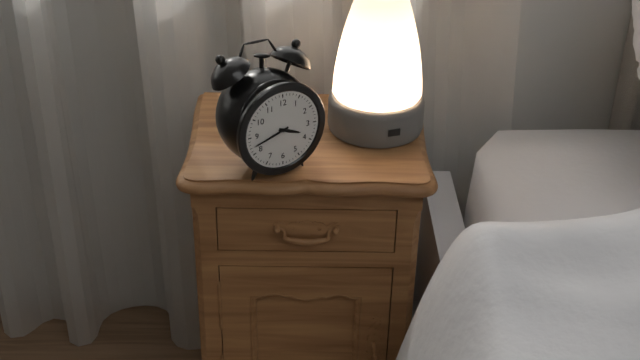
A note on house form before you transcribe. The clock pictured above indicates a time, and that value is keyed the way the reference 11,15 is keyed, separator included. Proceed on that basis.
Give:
3,42
